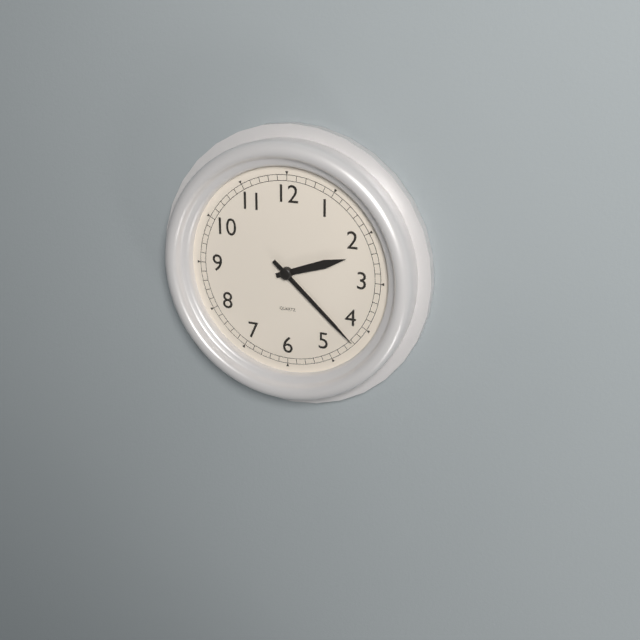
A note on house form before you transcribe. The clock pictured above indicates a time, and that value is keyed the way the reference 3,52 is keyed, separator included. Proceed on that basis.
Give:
2,22
